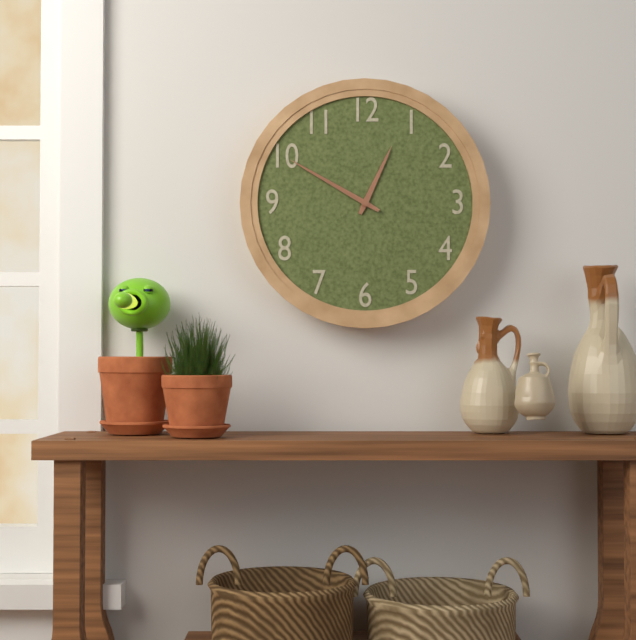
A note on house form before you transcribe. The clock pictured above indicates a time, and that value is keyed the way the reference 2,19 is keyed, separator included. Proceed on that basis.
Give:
12,50
